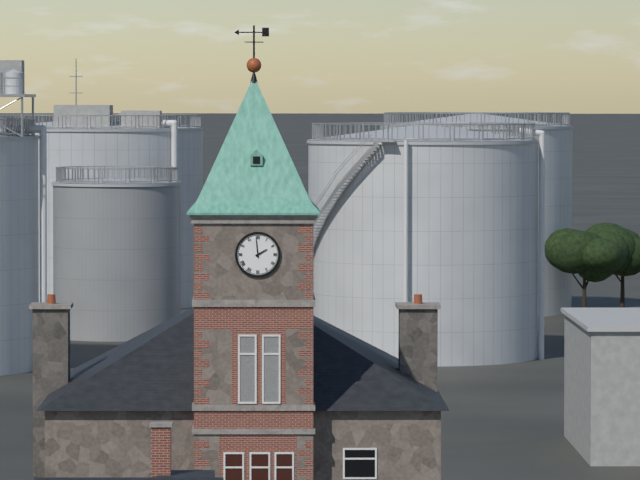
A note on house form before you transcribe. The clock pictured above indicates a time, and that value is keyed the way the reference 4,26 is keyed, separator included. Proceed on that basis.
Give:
1,59
